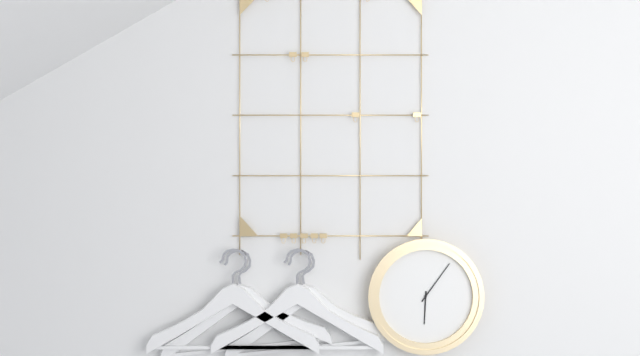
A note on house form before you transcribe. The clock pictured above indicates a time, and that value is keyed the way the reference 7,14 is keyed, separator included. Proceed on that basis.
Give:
6,06
